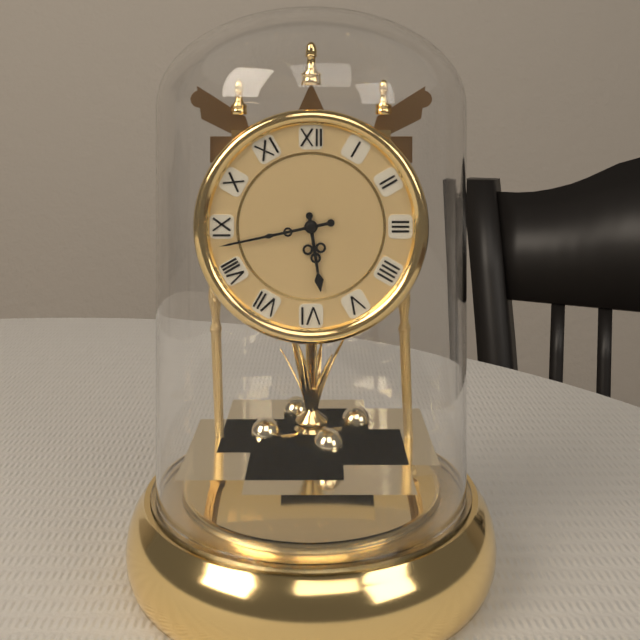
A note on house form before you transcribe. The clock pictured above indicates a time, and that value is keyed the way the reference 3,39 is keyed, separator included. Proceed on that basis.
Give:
5,43
